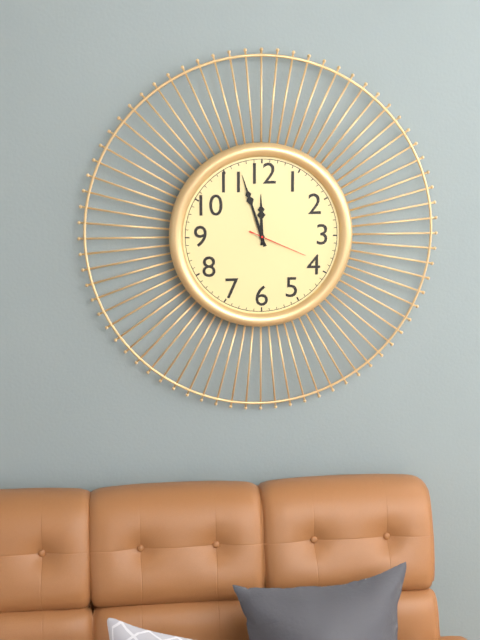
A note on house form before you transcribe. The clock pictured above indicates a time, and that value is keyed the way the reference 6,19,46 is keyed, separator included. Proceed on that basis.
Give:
11,57,19
